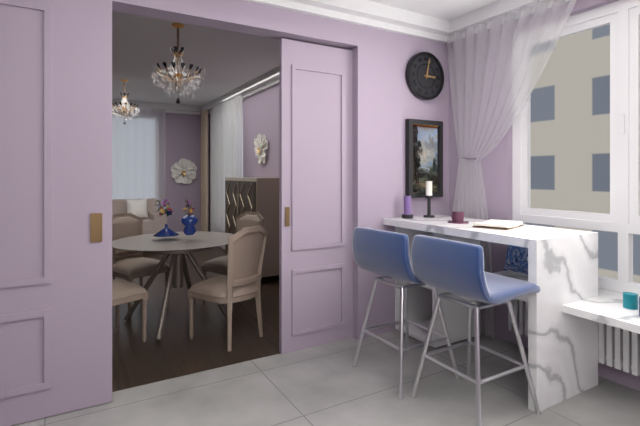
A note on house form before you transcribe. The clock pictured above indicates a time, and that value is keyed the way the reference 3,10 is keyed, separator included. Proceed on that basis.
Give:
3,02
